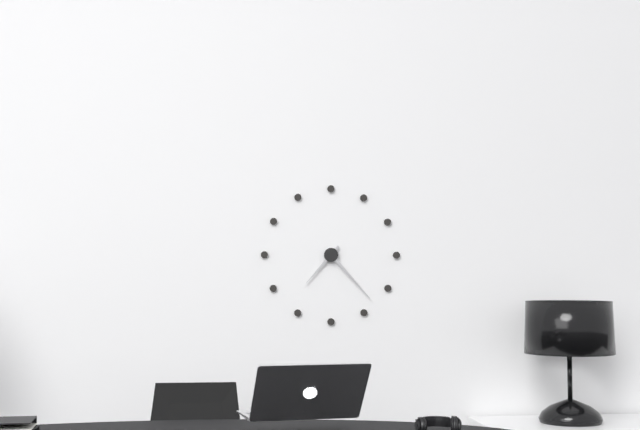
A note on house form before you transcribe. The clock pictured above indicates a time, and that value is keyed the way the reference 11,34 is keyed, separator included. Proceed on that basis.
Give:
7,23
